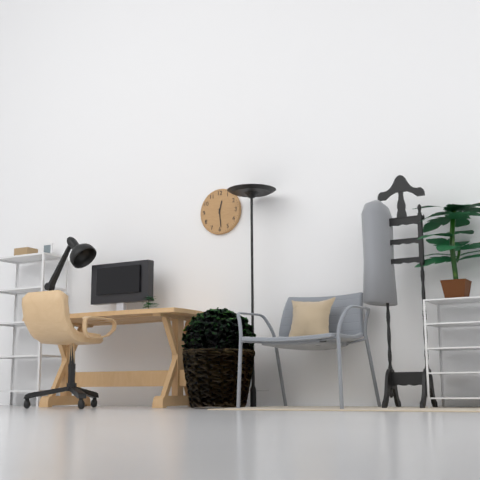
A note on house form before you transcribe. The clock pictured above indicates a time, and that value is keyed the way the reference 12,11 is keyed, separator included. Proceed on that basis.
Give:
12,29
